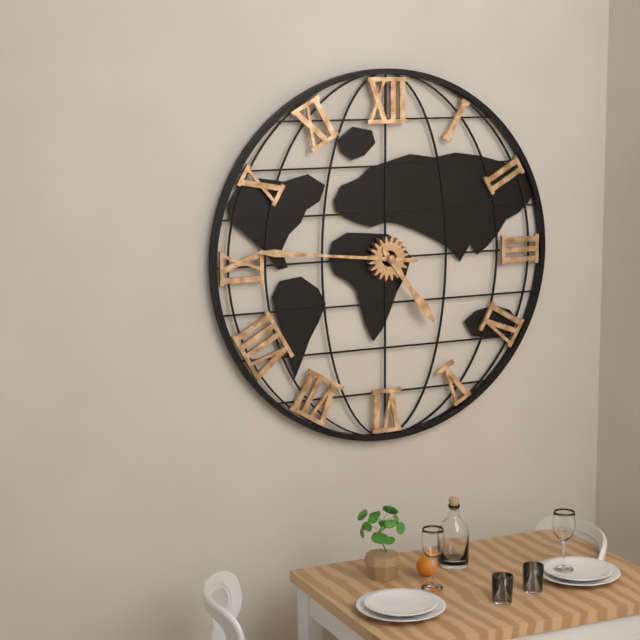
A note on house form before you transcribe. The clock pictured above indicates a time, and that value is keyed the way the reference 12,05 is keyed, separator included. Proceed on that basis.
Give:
4,46
